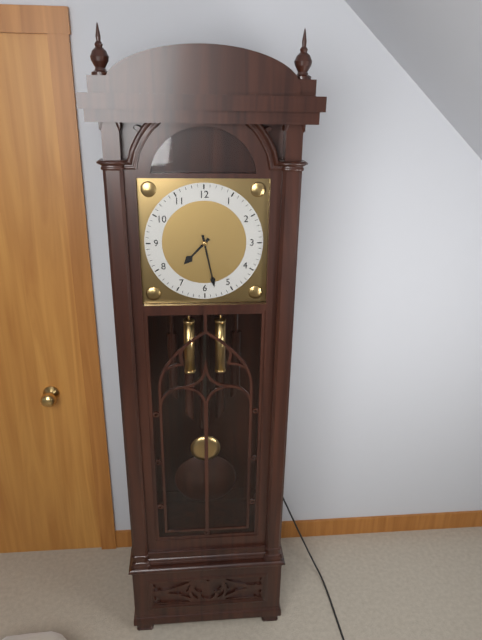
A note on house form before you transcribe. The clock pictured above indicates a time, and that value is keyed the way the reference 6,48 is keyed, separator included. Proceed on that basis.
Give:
7,28
